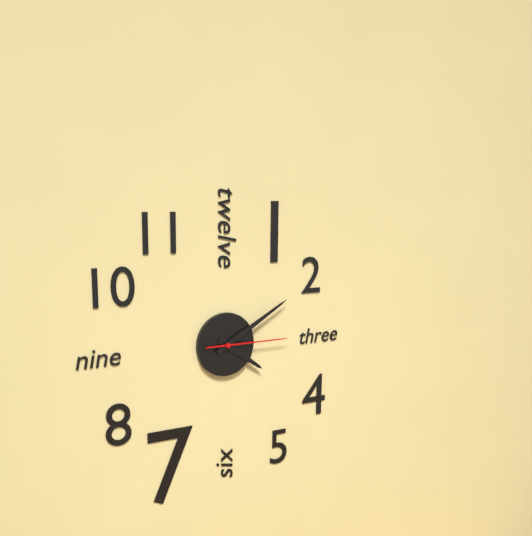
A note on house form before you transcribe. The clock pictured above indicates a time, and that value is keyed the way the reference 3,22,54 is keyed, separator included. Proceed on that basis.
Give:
4,10,15
